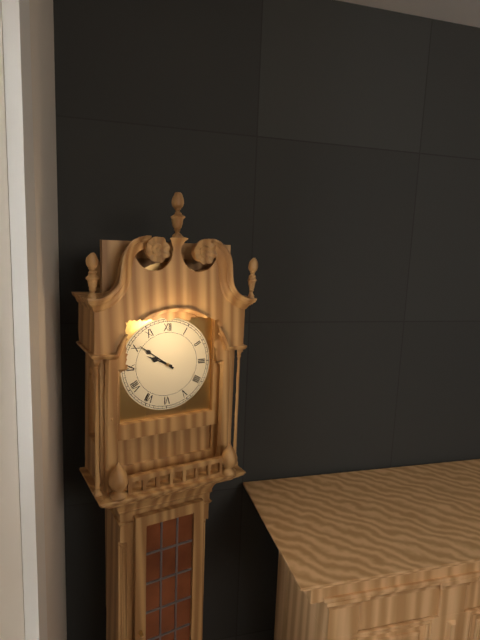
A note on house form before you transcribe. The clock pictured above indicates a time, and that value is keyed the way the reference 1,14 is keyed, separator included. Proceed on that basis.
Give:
9,51
